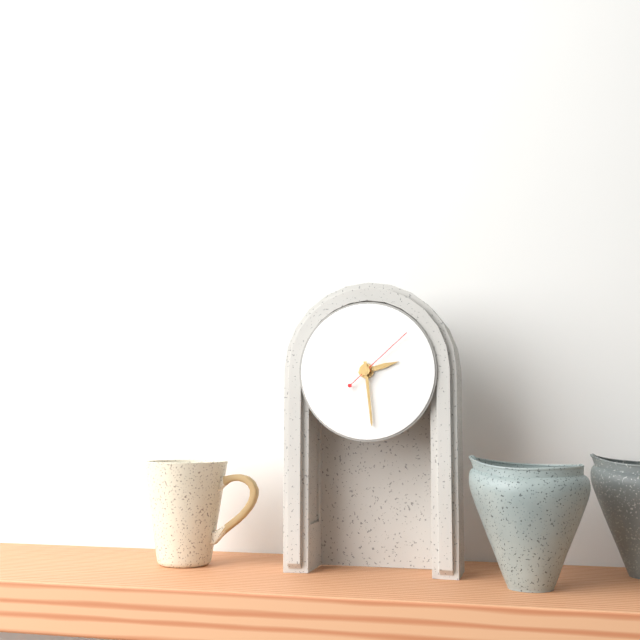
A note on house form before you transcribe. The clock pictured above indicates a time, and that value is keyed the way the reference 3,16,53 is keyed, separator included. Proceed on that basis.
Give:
2,29,08
